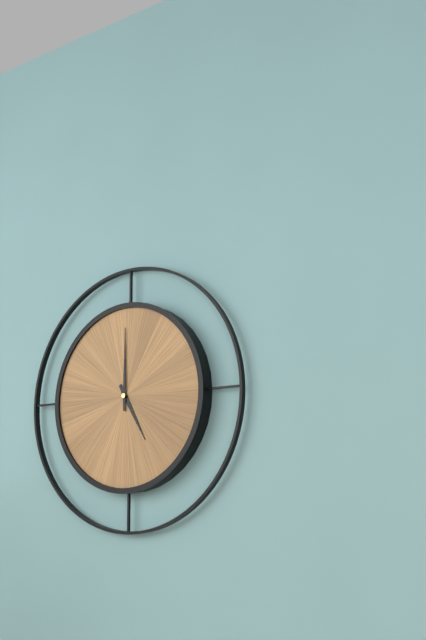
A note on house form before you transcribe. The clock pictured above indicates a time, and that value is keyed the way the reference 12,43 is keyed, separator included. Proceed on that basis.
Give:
5,00
